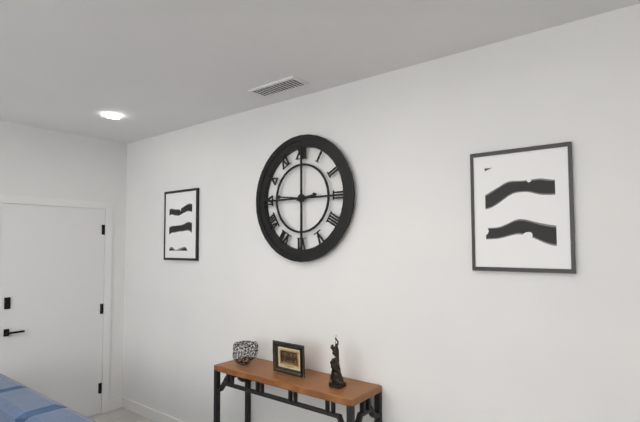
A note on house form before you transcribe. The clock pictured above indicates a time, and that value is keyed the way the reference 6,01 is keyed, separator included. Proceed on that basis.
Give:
2,46
